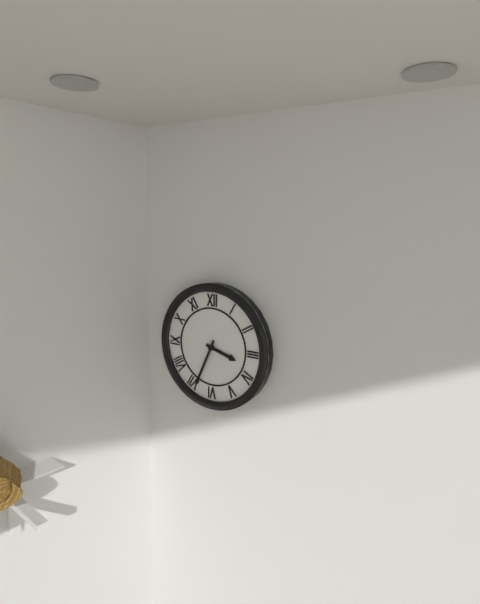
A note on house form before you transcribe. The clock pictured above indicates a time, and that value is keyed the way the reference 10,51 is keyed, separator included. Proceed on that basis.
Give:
3,34
